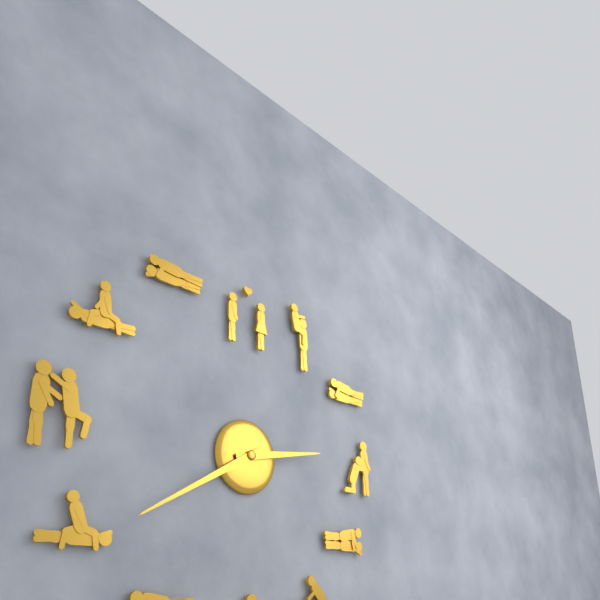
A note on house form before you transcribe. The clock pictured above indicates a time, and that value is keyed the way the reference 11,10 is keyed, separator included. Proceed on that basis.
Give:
2,40
